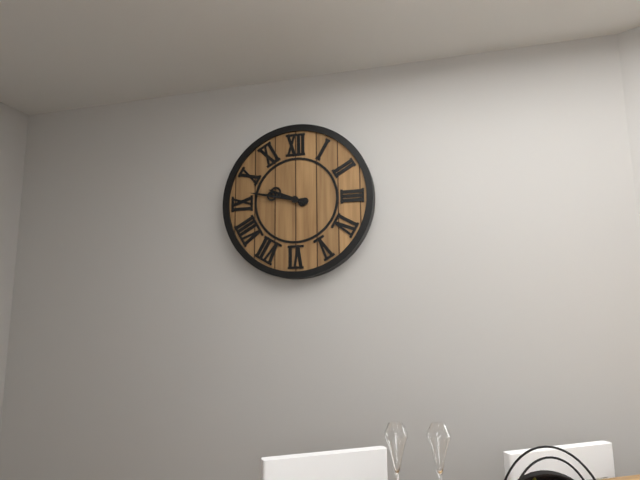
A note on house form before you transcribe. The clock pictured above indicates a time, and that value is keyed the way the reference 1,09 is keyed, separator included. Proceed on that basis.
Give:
9,47
